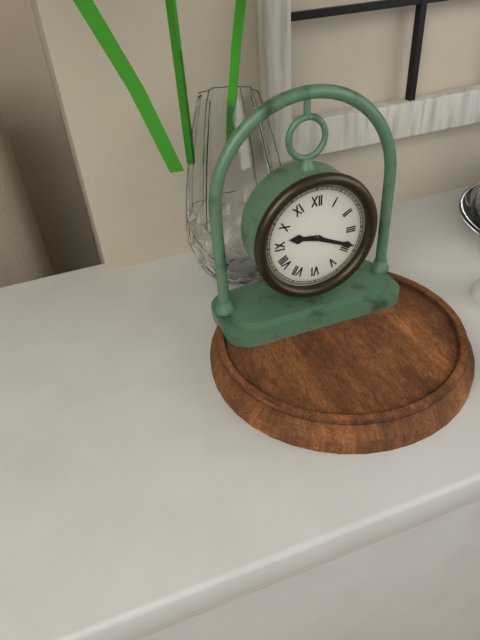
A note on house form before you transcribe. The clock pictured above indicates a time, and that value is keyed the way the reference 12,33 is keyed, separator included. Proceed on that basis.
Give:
9,19
